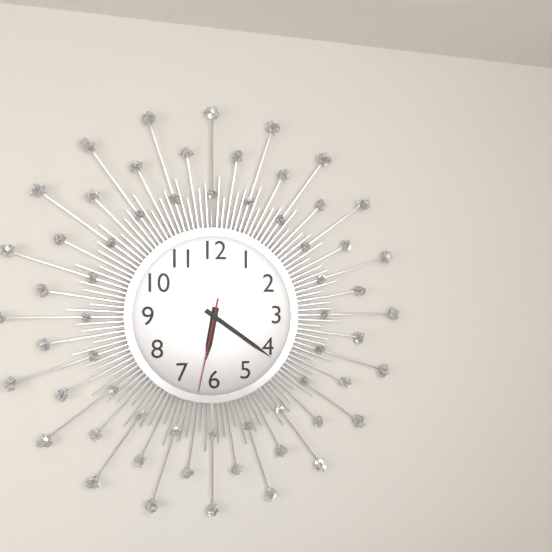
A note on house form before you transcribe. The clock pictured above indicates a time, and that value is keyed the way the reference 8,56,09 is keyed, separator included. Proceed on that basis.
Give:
6,21,32
